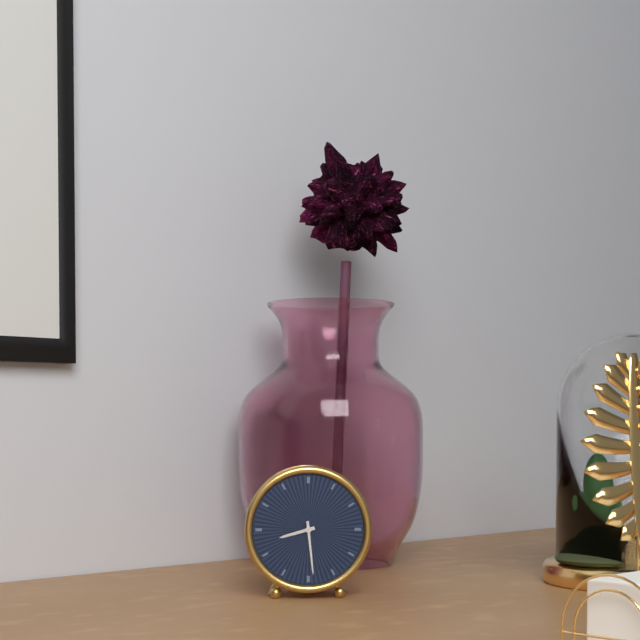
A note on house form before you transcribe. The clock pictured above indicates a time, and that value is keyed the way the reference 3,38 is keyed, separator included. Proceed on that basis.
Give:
8,29
